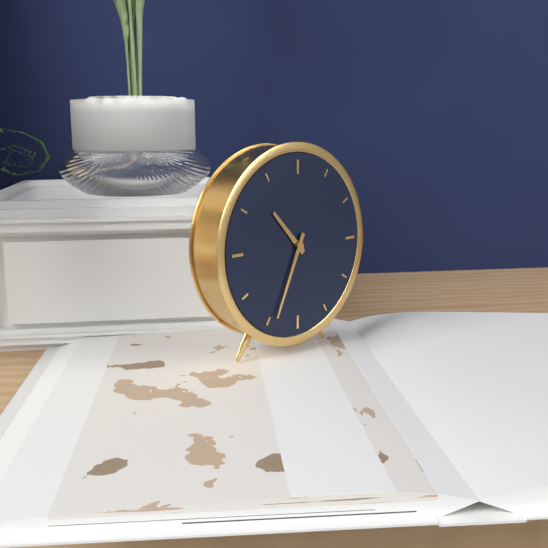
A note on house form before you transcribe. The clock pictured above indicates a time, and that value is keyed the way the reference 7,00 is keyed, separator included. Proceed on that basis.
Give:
10,34
